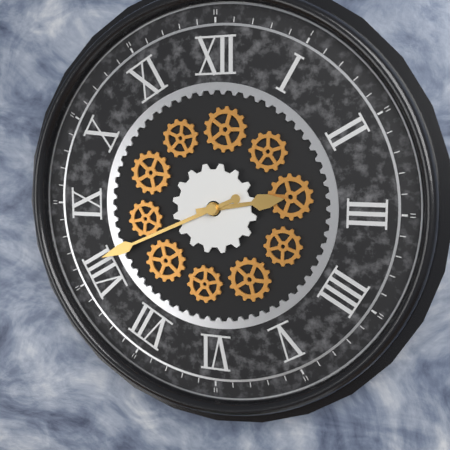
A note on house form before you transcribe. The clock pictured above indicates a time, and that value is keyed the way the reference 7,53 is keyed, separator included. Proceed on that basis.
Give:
2,41
